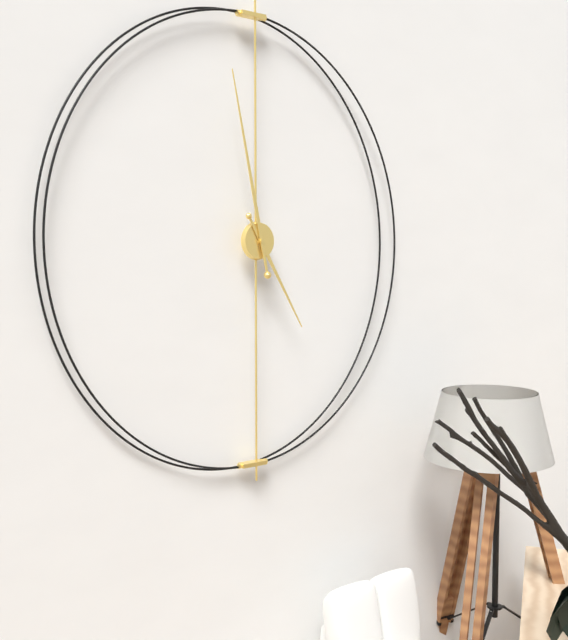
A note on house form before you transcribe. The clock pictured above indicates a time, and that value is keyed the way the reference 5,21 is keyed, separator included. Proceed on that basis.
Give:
4,58
